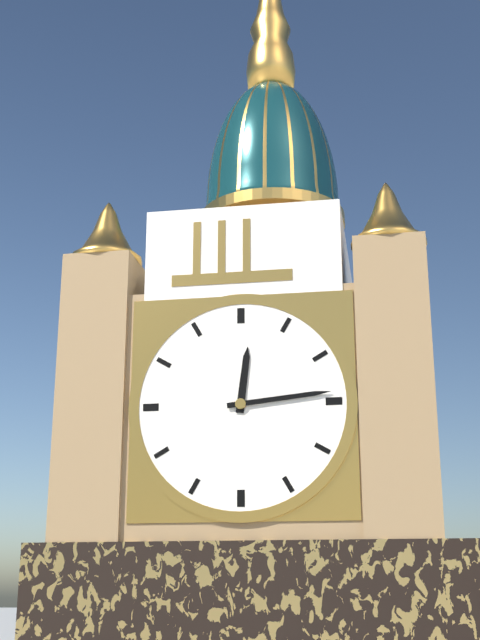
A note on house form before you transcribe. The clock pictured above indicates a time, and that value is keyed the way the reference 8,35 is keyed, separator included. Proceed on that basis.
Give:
12,14
